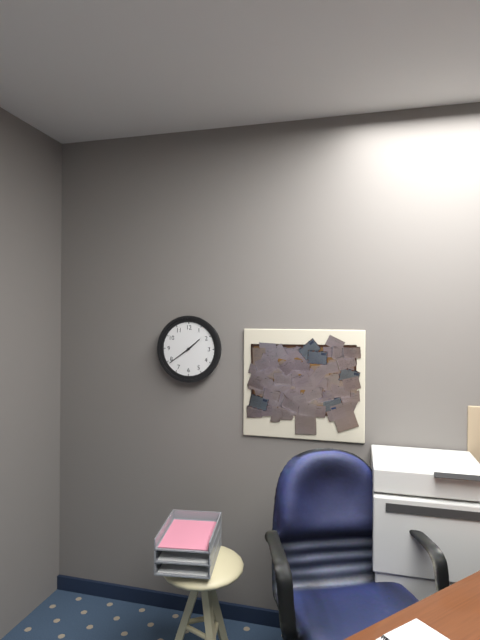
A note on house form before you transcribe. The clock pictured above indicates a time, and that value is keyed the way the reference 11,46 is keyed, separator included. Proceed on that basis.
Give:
1,39
